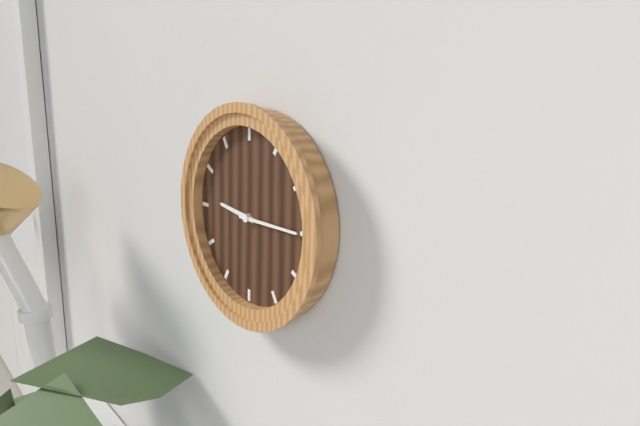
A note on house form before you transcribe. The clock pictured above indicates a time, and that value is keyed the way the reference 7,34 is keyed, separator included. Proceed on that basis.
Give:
9,15
